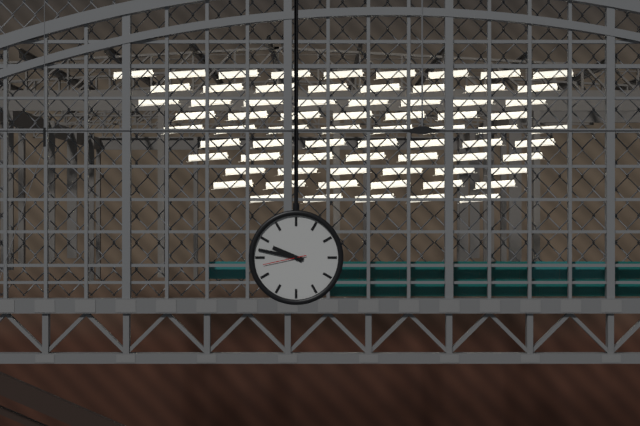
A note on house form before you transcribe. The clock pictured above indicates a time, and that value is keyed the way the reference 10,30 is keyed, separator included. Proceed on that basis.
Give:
9,47
